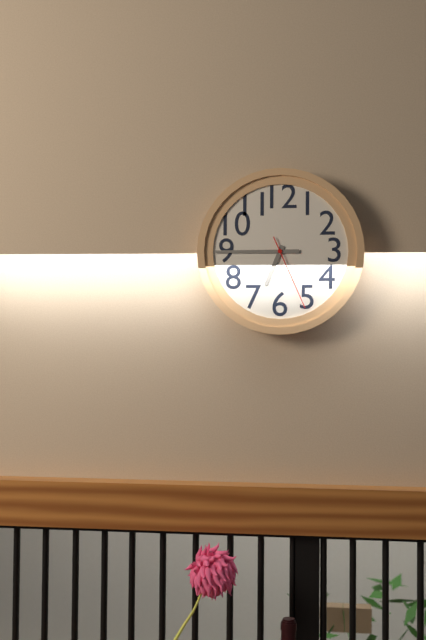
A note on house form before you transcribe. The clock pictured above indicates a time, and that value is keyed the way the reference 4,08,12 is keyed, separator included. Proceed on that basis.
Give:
6,45,26
